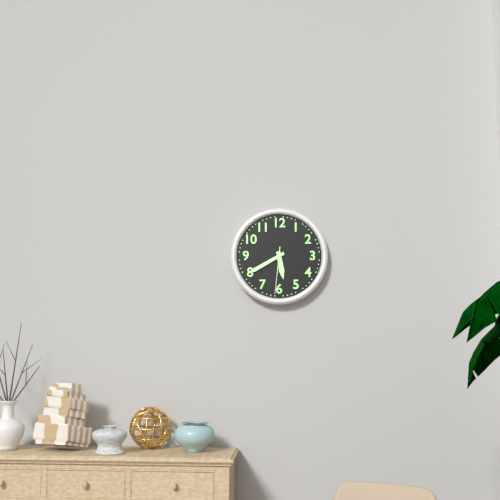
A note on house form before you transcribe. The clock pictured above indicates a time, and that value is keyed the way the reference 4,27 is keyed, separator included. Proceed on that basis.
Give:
5,40
